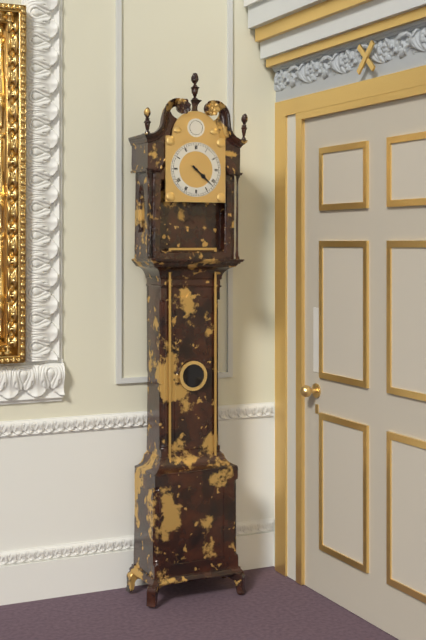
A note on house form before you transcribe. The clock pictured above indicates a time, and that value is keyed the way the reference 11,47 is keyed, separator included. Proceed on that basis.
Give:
4,22
